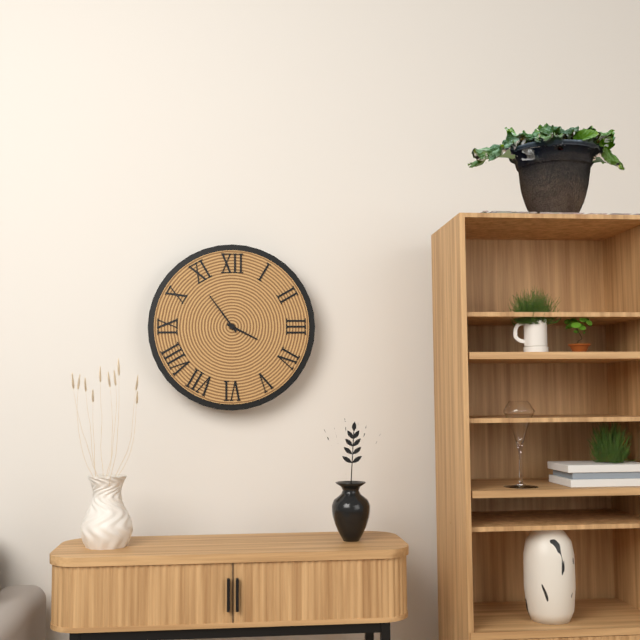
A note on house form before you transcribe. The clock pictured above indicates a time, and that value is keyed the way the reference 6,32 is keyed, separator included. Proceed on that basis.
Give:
3,54
